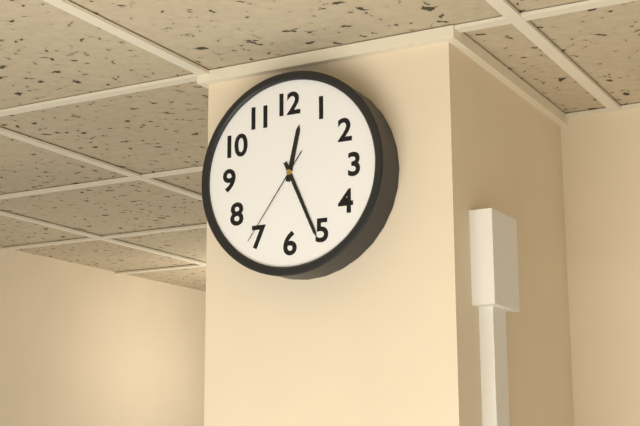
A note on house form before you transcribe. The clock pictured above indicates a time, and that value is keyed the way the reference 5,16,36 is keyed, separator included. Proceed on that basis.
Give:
12,26,36
